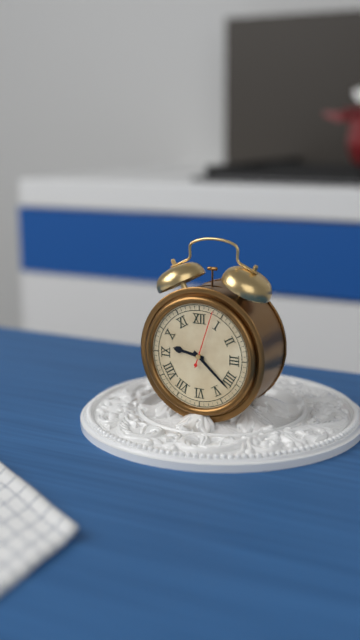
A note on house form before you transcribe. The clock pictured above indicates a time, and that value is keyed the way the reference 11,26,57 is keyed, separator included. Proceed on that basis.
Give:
9,22,03
